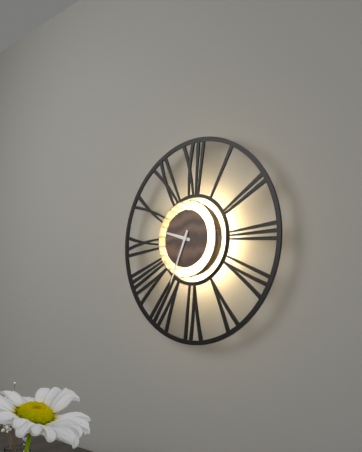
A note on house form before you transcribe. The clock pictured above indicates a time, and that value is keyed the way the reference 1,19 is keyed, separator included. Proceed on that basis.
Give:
9,34
